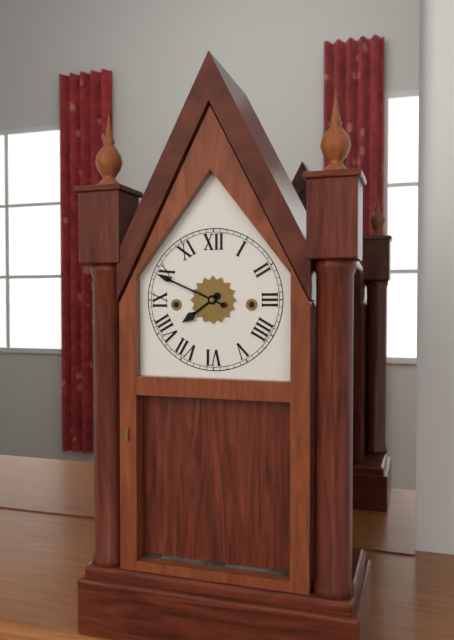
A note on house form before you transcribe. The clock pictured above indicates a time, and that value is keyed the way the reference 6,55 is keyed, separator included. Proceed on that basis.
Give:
7,49
